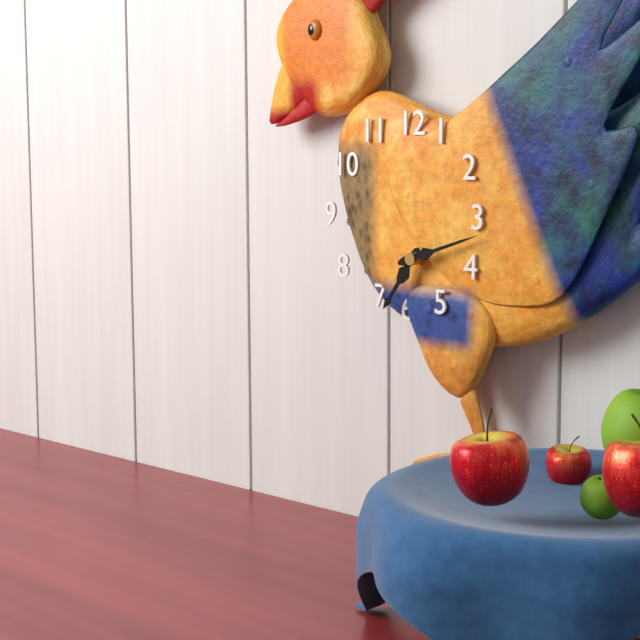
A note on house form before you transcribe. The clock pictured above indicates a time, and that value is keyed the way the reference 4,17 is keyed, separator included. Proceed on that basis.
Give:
7,12
